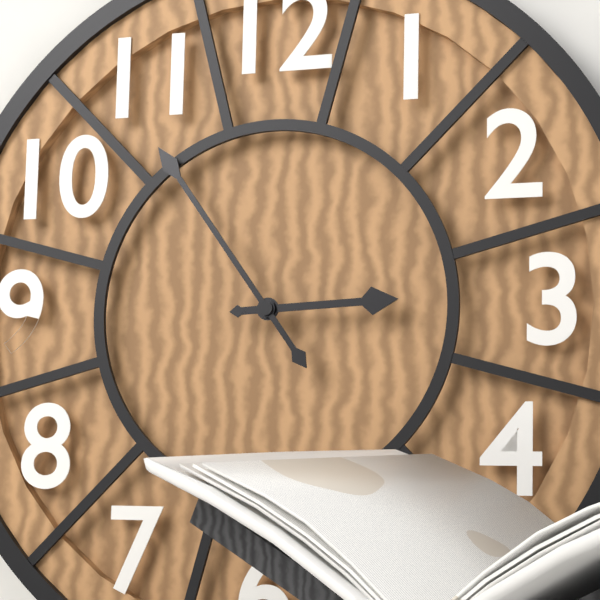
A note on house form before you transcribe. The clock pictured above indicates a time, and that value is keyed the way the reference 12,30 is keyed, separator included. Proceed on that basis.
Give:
2,54
